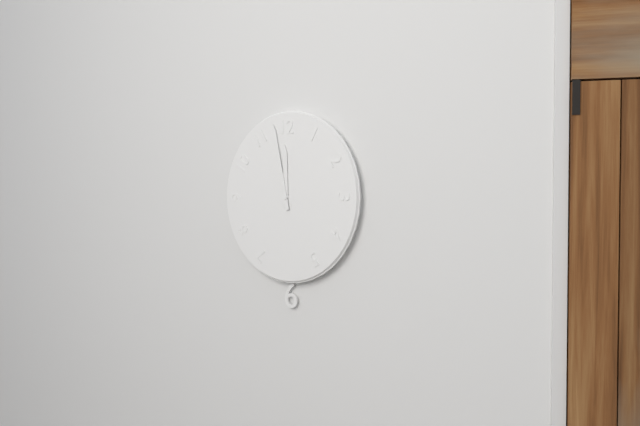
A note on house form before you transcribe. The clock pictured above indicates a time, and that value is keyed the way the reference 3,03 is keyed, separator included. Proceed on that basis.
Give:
11,58
